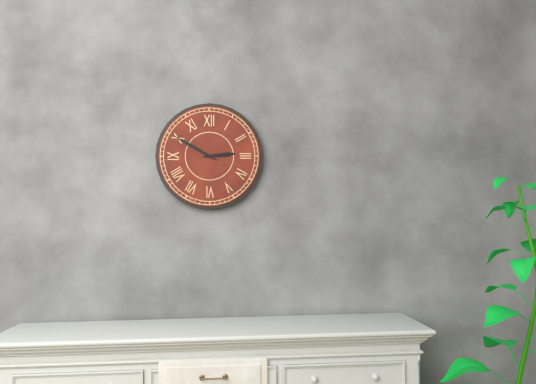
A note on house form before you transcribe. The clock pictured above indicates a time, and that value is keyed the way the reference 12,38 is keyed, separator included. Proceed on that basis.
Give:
2,50
